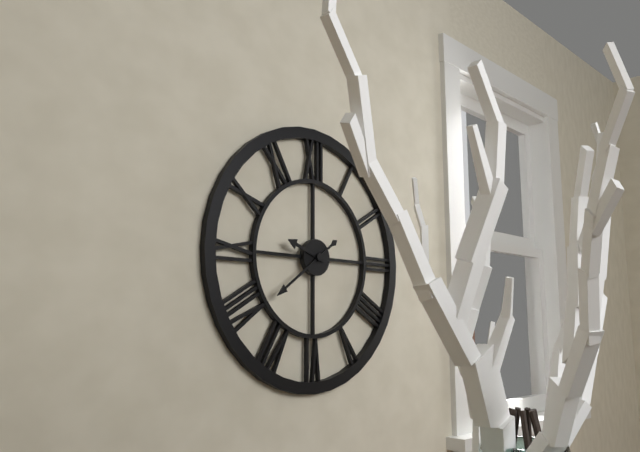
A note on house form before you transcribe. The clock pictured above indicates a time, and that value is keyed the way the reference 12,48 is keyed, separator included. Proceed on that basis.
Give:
9,39
